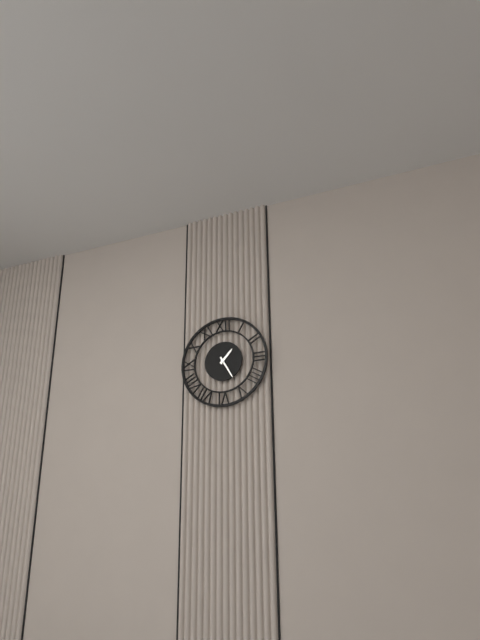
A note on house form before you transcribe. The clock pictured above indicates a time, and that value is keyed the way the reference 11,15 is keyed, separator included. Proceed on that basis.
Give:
1,25
